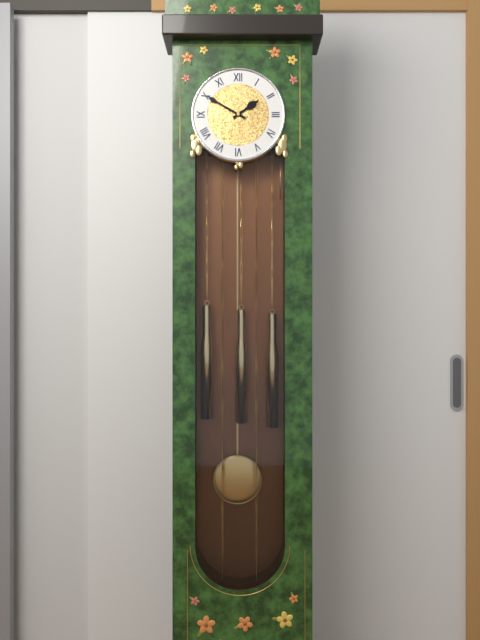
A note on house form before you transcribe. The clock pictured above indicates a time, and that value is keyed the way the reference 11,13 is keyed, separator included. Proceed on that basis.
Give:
1,50
